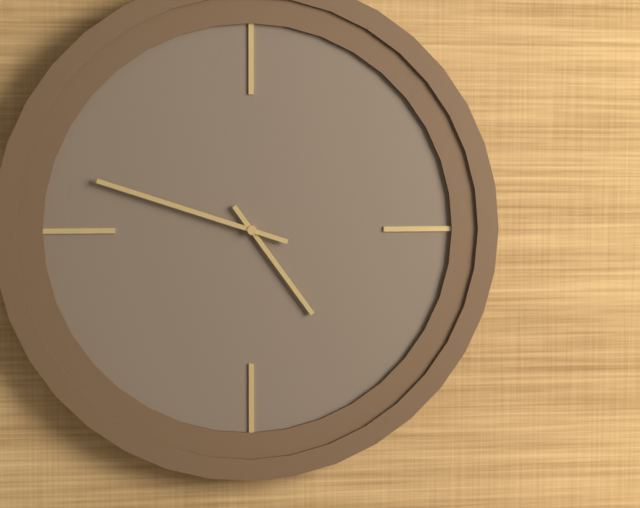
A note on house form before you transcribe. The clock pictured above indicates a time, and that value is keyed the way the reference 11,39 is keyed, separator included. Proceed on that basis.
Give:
4,48
